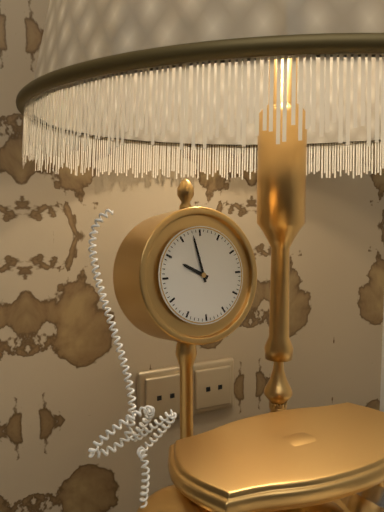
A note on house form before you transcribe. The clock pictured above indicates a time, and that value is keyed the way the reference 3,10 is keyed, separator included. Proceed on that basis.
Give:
9,58
